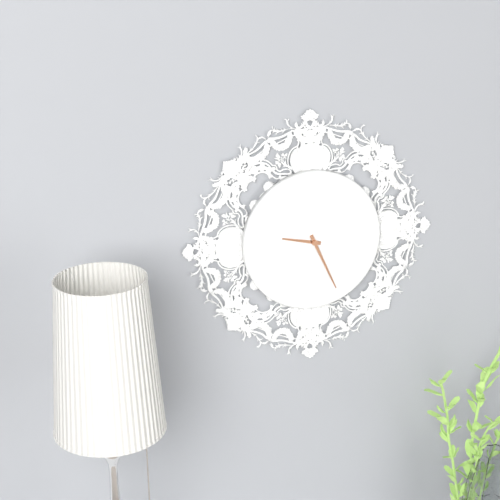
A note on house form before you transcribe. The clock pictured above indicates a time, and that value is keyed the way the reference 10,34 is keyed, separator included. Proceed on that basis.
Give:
9,26
